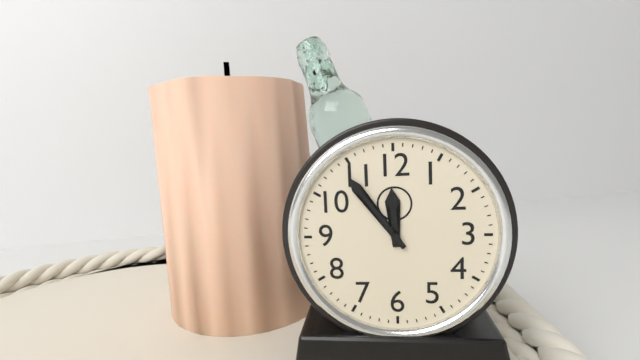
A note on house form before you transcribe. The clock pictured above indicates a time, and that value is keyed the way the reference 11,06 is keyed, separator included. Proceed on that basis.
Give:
11,54
